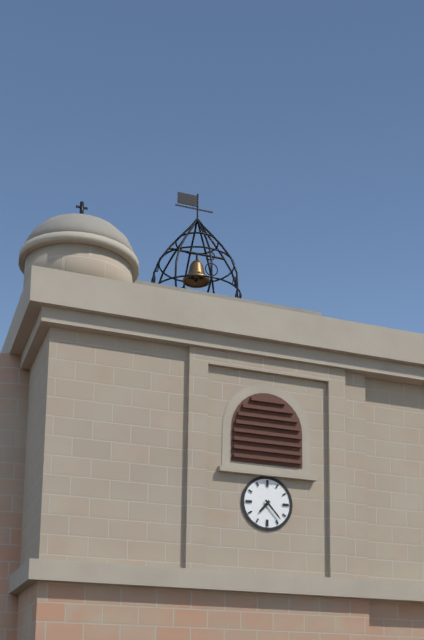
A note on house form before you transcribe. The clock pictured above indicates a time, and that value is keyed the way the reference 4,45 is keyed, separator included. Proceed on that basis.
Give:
7,23
